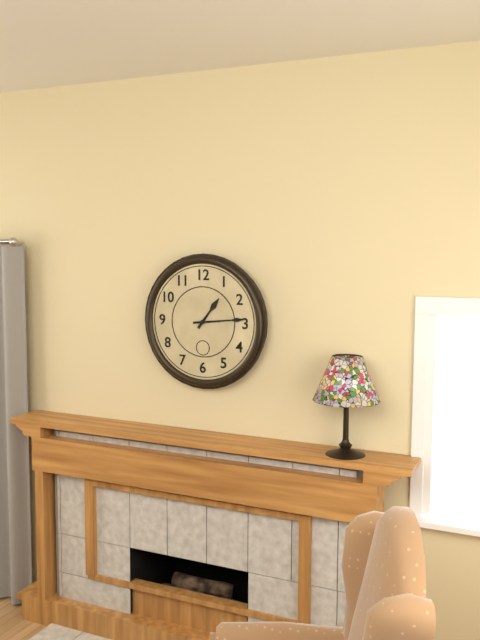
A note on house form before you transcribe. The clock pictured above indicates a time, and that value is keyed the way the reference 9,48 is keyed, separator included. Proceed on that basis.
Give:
1,14
